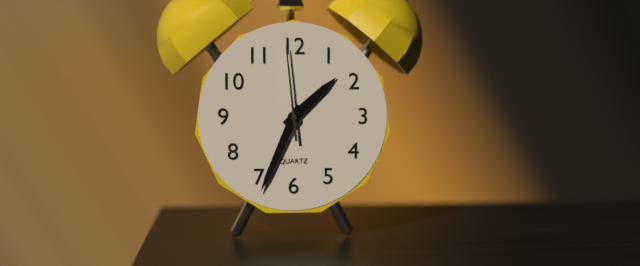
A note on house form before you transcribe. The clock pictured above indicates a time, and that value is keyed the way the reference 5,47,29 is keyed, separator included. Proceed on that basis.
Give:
1,34,59
